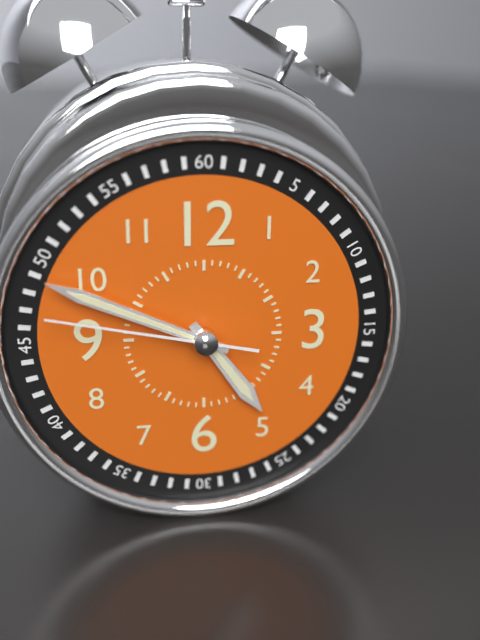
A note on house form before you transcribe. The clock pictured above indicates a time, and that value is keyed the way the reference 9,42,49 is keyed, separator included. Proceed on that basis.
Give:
4,49,47
